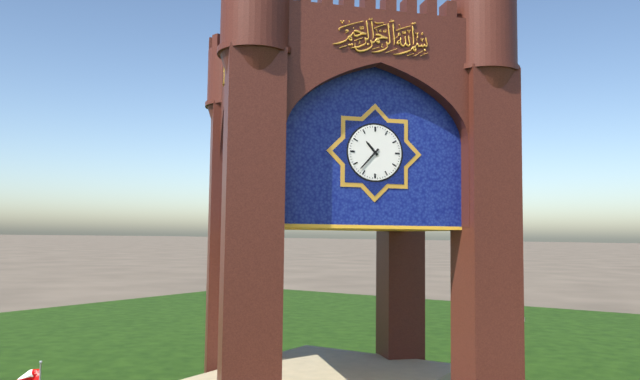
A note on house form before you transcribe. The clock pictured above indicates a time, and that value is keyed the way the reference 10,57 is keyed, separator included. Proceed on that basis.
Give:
10,37
